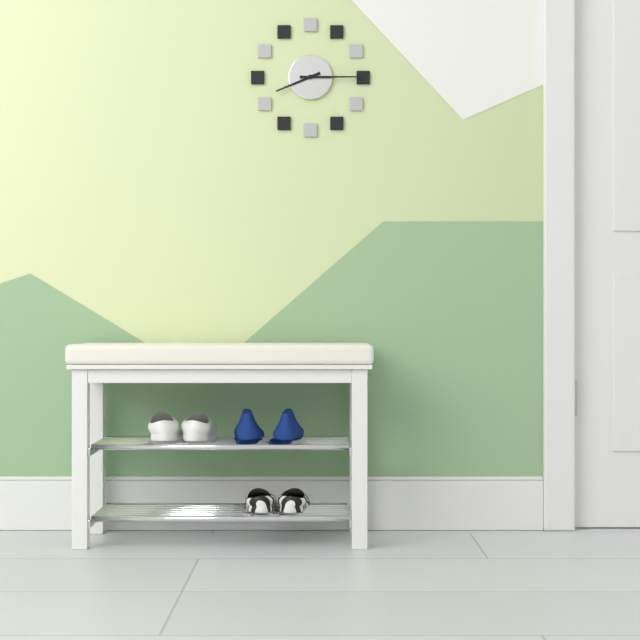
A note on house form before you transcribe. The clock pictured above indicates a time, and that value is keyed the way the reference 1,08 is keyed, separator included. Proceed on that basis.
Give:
8,15
